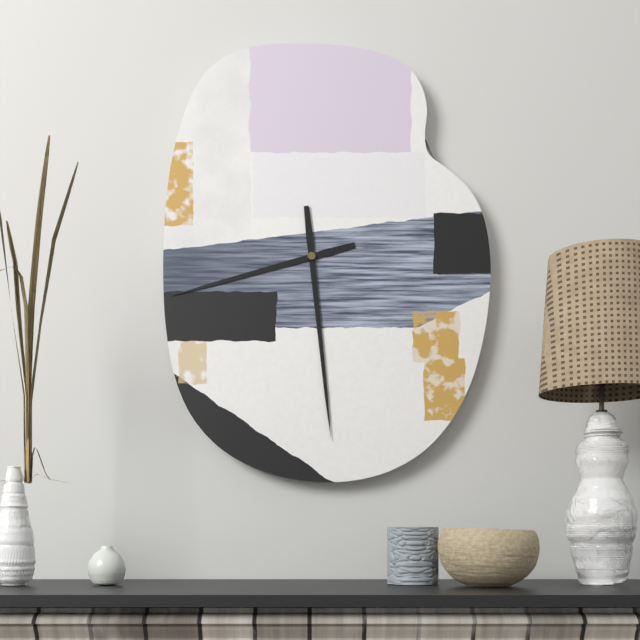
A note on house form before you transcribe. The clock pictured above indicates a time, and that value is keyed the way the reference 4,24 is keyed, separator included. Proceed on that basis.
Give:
8,29
